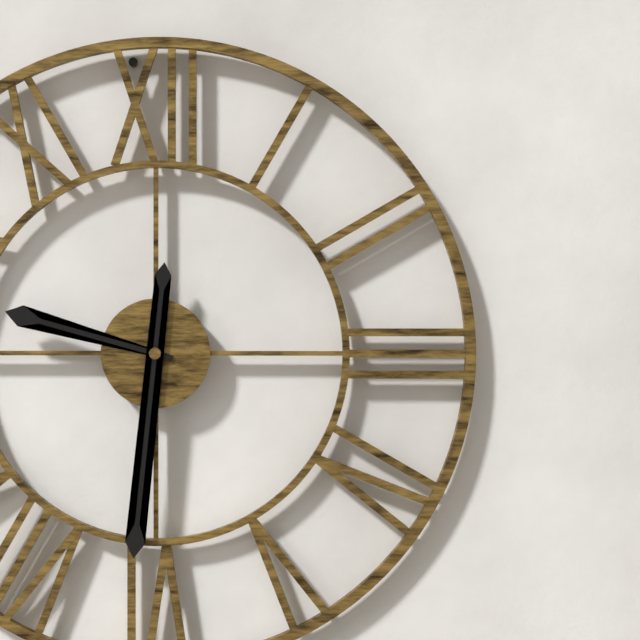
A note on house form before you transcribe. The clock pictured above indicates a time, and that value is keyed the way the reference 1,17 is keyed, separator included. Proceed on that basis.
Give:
9,31
